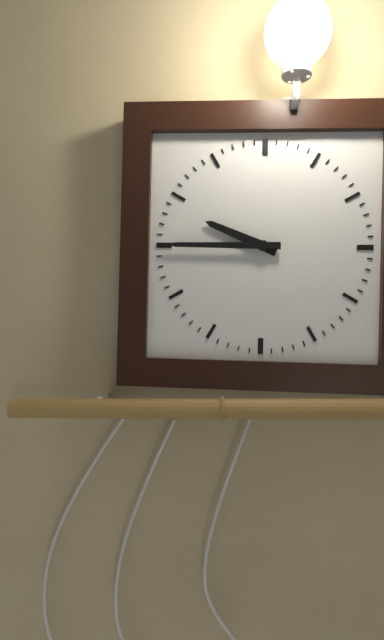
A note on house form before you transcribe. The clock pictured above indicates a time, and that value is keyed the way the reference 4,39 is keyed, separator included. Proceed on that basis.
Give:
9,45
